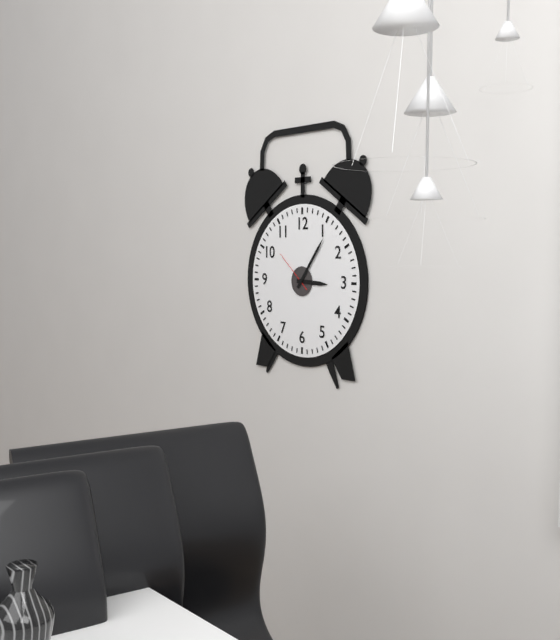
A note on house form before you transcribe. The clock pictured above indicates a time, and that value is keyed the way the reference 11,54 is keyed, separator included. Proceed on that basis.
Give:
3,06
